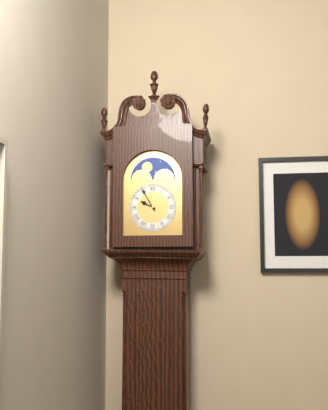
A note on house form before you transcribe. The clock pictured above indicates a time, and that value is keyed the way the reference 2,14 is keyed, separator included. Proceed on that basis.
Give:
9,55
